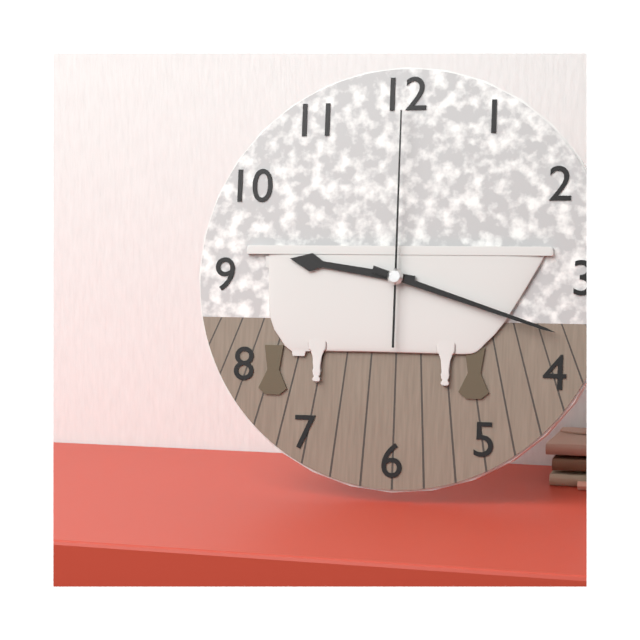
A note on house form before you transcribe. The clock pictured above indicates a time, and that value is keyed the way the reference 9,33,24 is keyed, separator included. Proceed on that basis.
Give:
9,18,00
